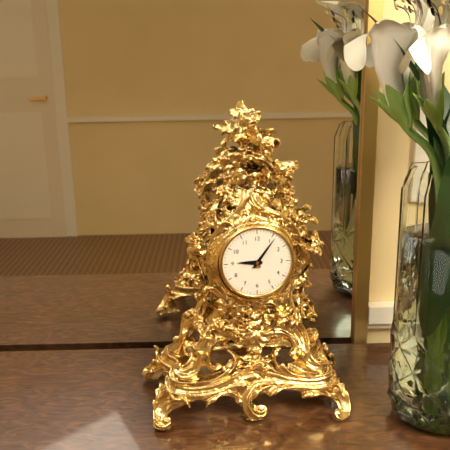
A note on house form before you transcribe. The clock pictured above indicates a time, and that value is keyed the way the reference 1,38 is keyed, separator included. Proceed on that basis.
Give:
9,06
